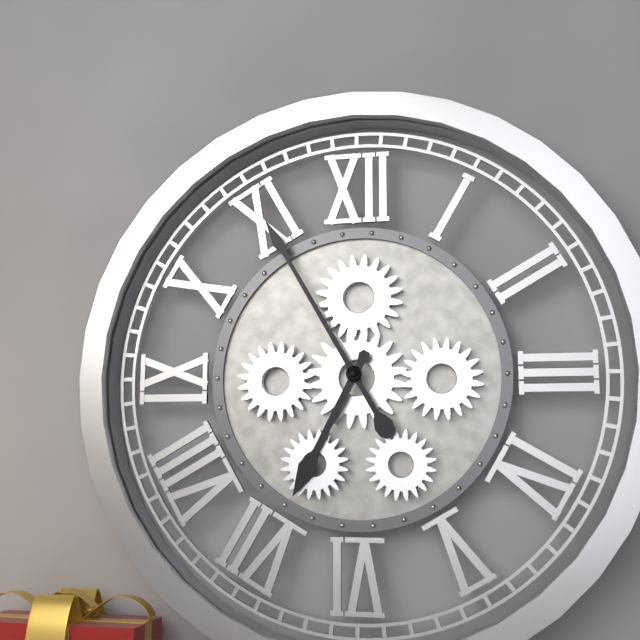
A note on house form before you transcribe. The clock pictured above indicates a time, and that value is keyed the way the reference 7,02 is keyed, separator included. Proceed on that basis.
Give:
6,55
